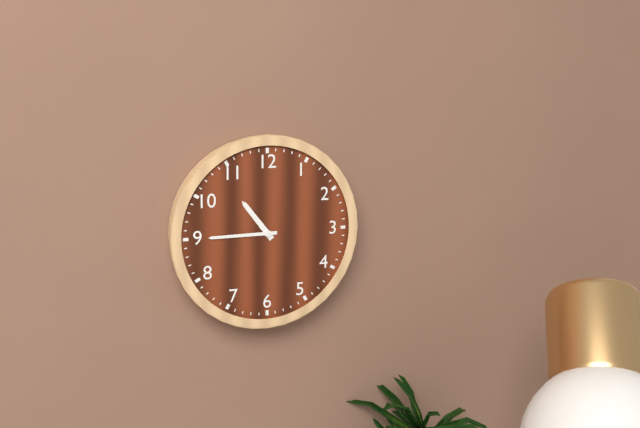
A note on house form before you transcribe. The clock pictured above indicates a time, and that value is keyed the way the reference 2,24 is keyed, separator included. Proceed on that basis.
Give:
10,45
